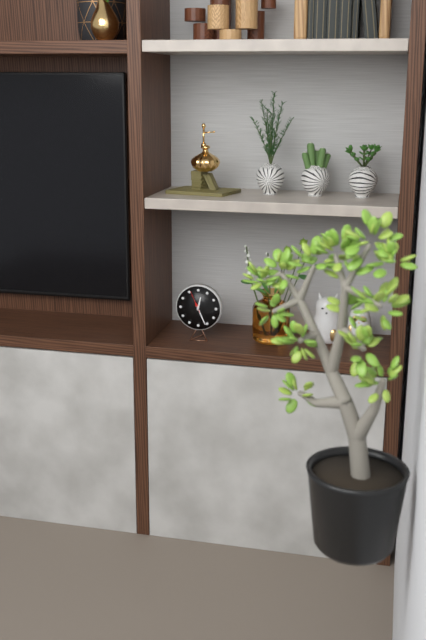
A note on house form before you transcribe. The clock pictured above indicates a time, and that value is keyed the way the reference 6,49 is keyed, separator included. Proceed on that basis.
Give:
12,26
